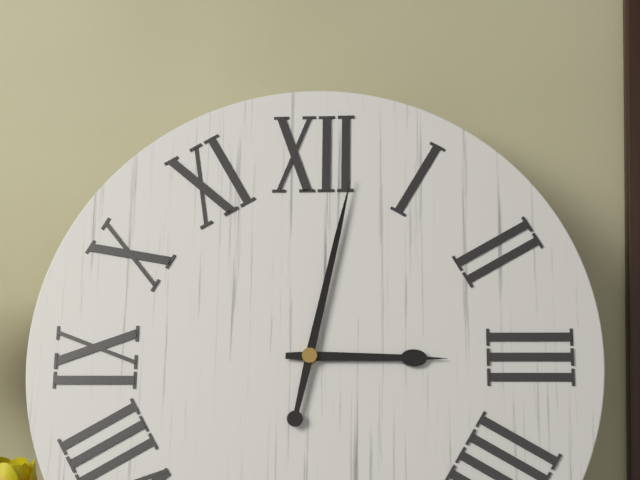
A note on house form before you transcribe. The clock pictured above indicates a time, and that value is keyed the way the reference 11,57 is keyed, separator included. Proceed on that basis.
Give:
3,02
